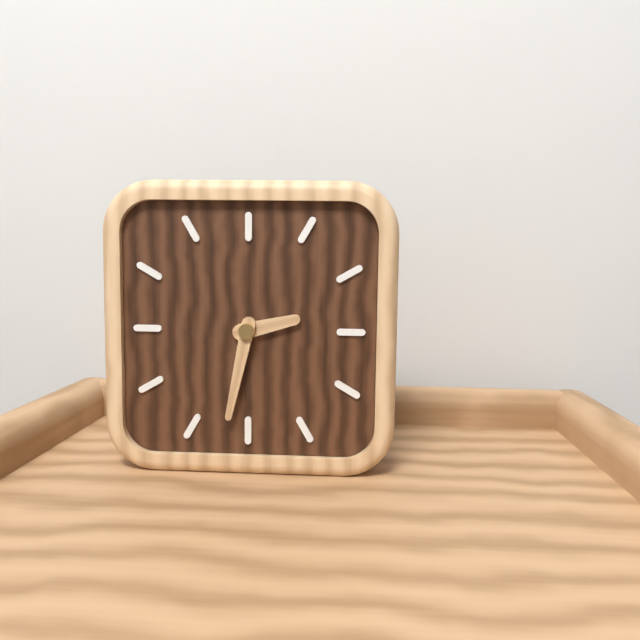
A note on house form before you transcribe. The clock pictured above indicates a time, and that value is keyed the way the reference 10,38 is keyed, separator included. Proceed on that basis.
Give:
2,32
